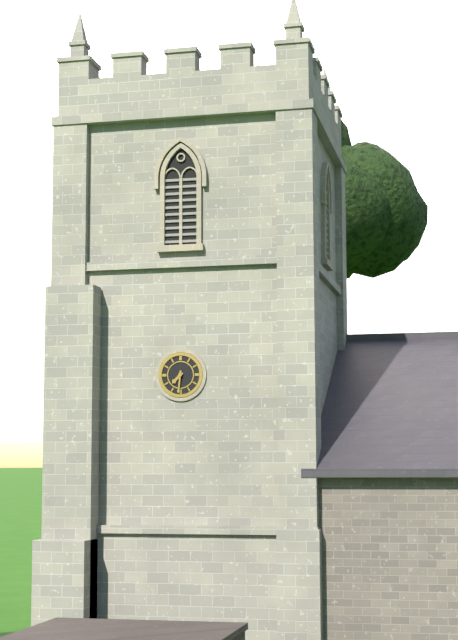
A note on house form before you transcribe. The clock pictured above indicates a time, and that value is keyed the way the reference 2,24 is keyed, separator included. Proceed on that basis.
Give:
7,31
